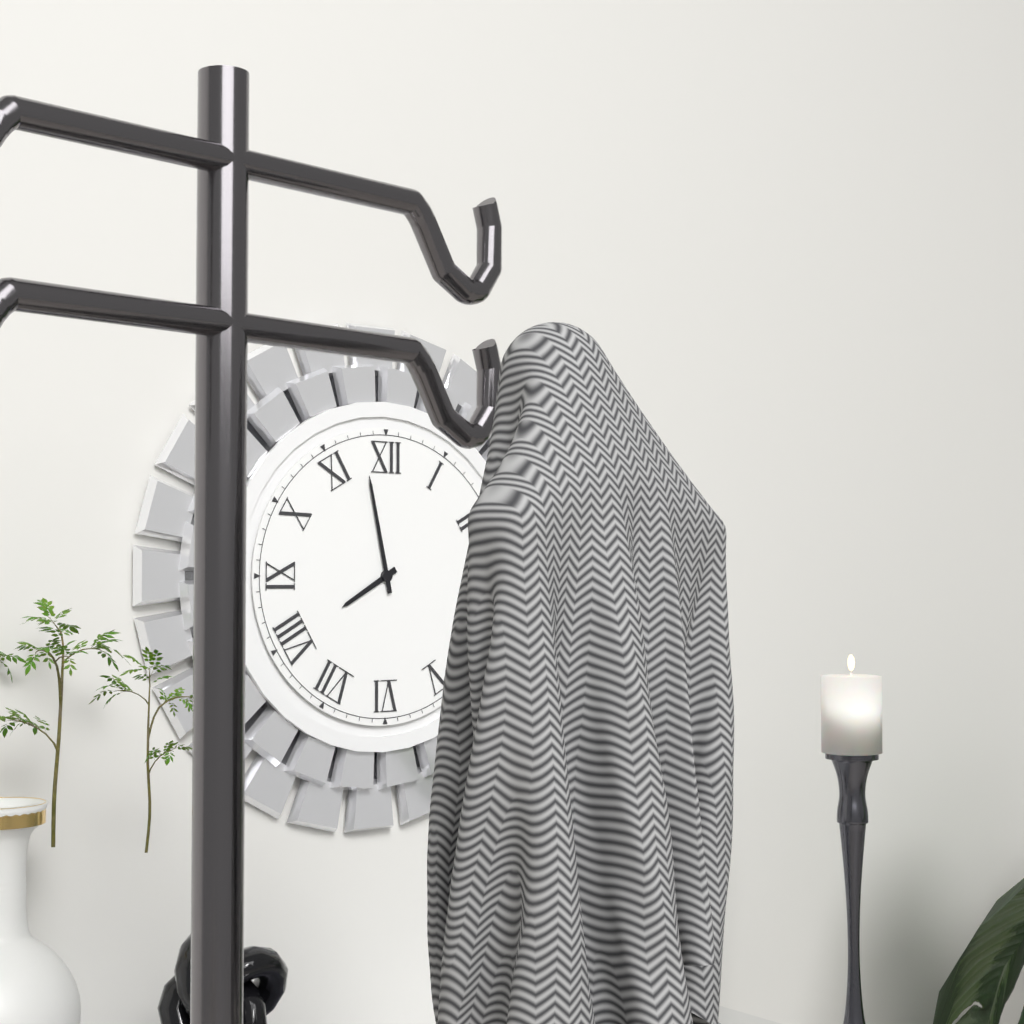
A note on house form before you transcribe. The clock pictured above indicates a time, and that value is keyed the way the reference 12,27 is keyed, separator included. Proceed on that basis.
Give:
7,58
